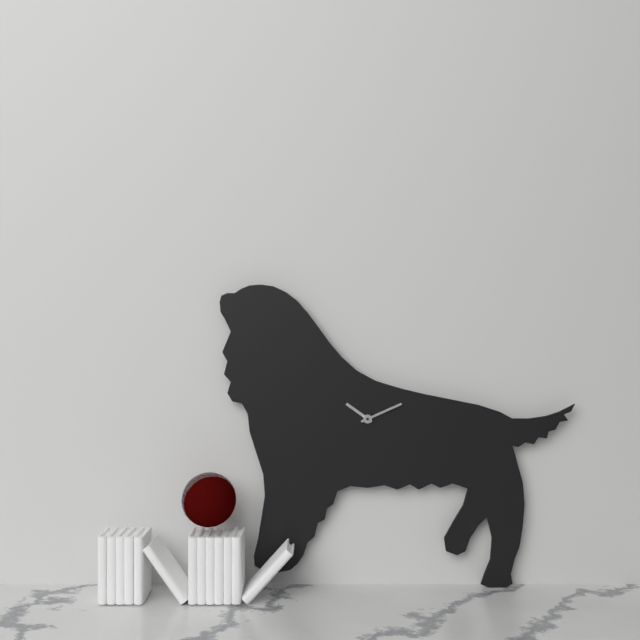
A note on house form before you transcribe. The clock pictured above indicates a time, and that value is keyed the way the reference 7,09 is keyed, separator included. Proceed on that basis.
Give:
10,11
